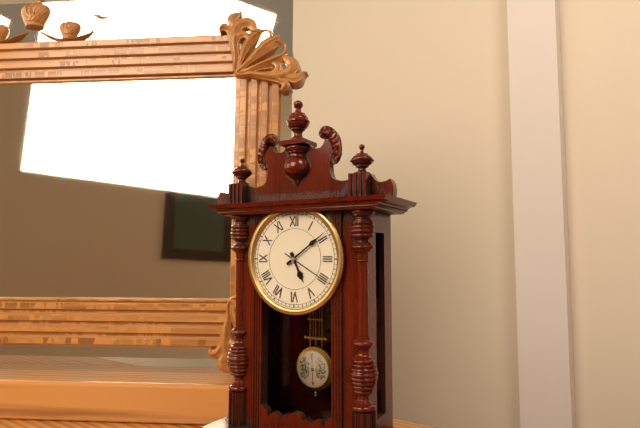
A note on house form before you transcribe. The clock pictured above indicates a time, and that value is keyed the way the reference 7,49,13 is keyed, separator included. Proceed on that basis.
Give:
5,09,20
